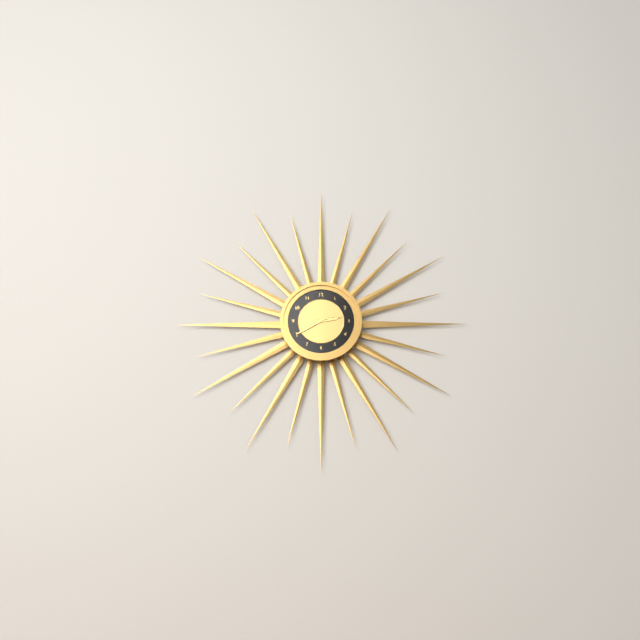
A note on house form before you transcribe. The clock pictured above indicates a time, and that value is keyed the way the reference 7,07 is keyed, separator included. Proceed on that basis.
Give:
2,40
